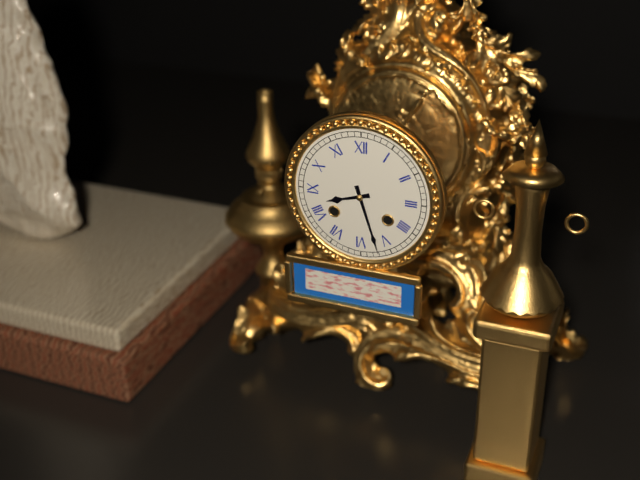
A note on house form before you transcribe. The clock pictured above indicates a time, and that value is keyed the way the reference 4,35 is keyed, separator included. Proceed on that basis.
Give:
8,27
